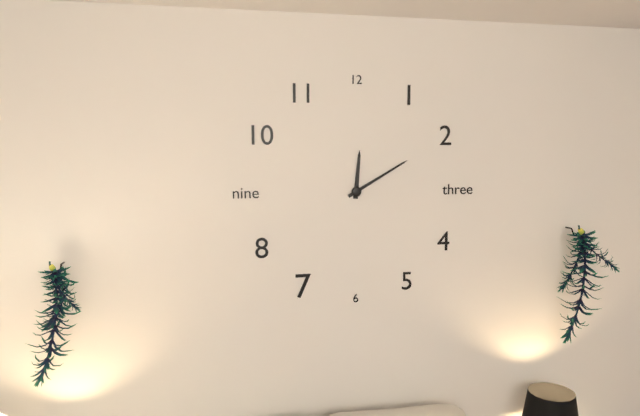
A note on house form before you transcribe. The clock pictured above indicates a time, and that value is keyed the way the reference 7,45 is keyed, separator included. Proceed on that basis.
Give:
12,10
